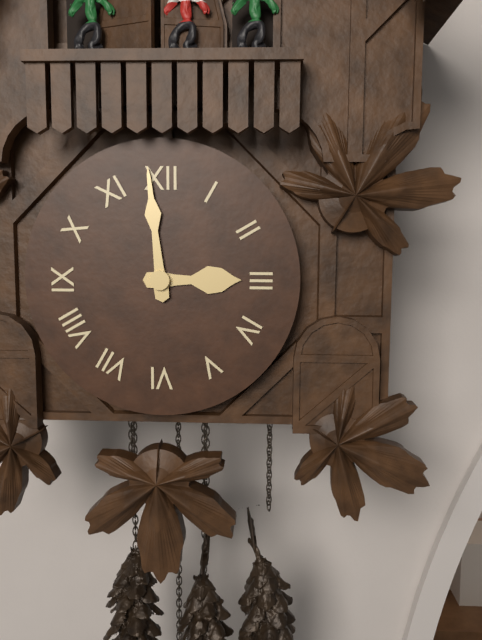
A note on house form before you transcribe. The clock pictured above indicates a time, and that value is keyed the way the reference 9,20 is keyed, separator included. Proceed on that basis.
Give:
2,59
